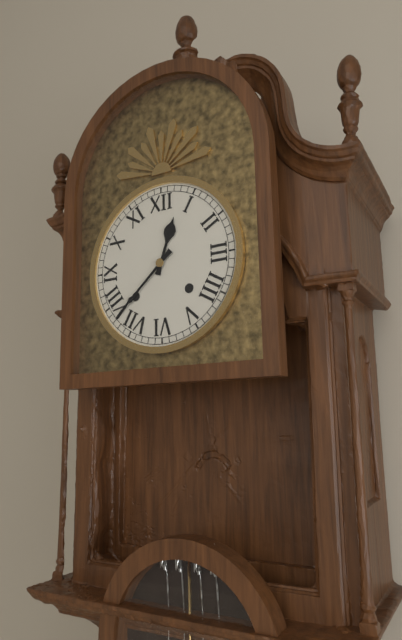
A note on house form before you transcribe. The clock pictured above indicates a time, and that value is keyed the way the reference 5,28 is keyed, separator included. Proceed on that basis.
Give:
12,38
